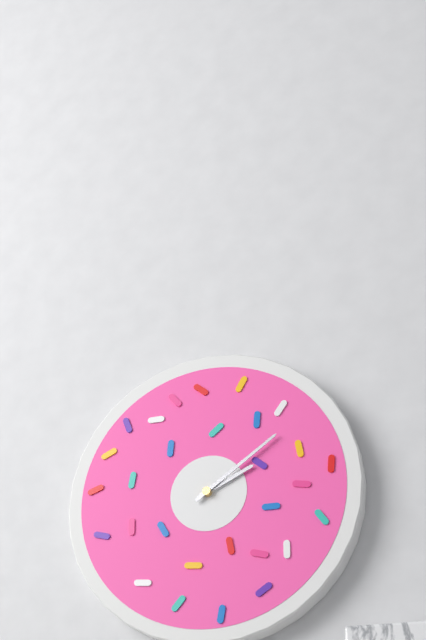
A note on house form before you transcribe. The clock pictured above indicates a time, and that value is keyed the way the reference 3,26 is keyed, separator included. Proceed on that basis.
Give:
2,09
